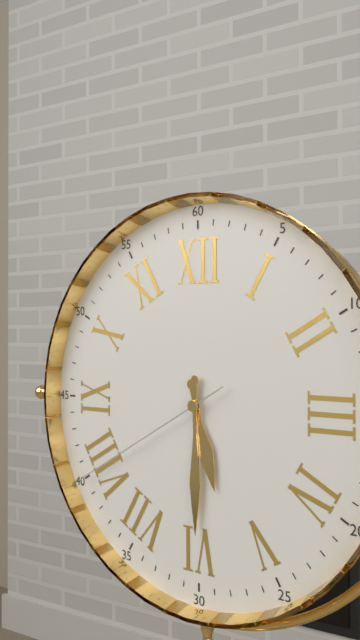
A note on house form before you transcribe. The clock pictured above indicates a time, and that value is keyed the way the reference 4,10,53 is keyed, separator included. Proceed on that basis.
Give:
5,30,40
